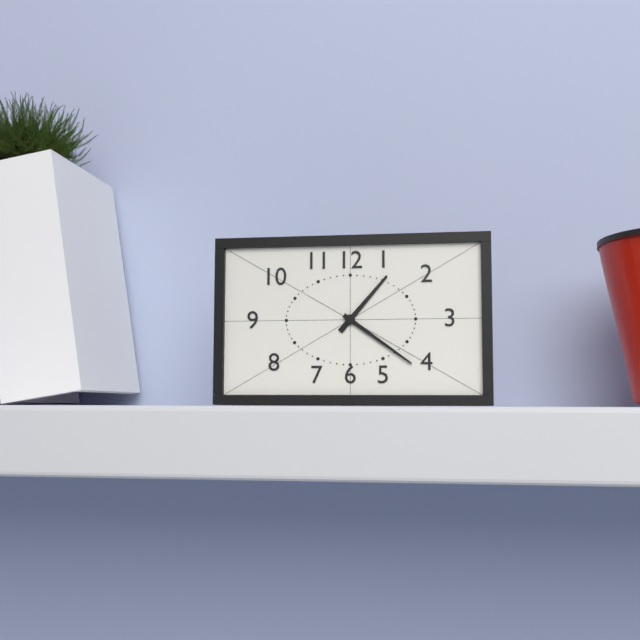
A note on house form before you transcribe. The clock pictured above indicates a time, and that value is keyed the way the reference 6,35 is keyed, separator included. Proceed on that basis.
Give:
1,21
